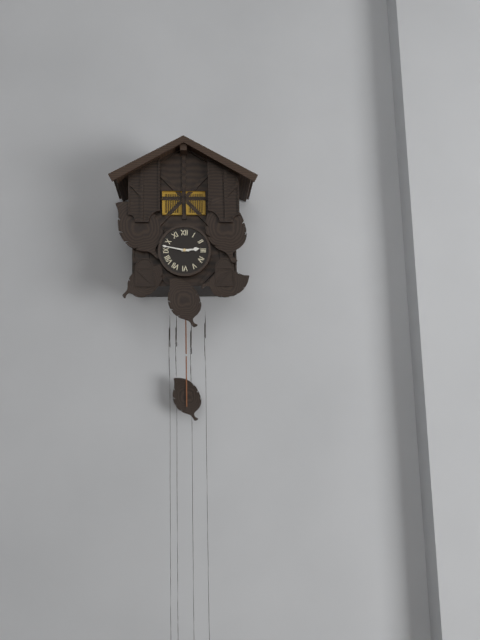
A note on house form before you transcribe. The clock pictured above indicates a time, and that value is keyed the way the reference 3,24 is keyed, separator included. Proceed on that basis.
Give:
2,47
